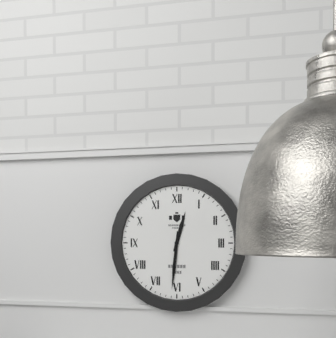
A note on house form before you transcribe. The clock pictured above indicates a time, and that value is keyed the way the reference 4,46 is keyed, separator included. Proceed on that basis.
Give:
12,31
